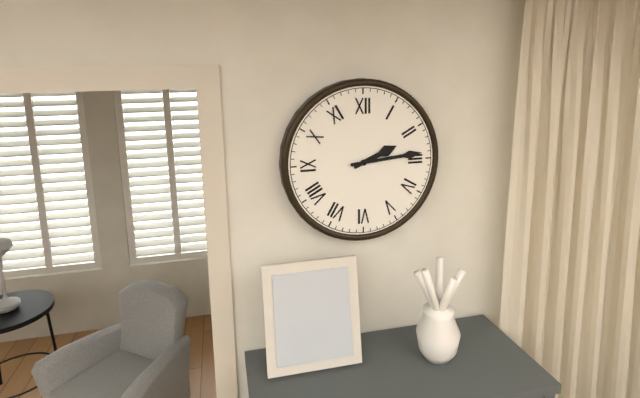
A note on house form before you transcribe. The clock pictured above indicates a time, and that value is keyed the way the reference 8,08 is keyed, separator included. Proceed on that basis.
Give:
2,14
